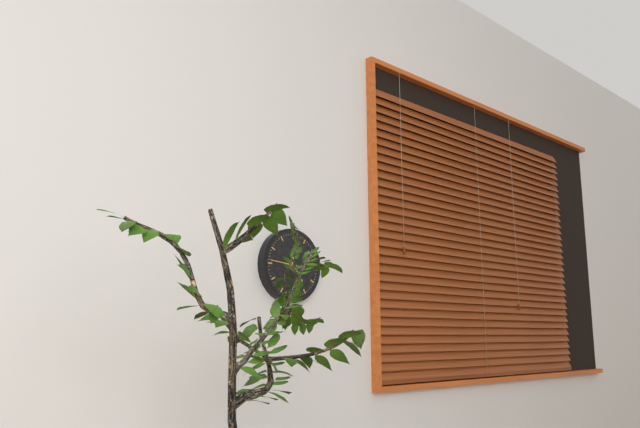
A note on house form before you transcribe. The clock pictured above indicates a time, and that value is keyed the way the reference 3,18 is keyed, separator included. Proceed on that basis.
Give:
4,46
